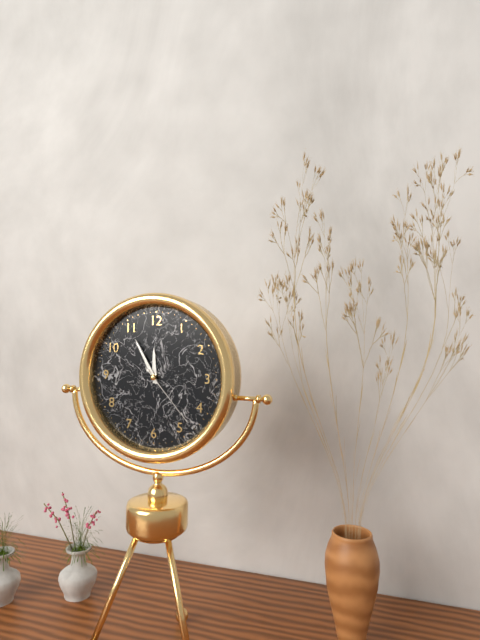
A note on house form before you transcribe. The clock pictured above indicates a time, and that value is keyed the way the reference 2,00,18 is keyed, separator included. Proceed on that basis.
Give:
11,55,23
